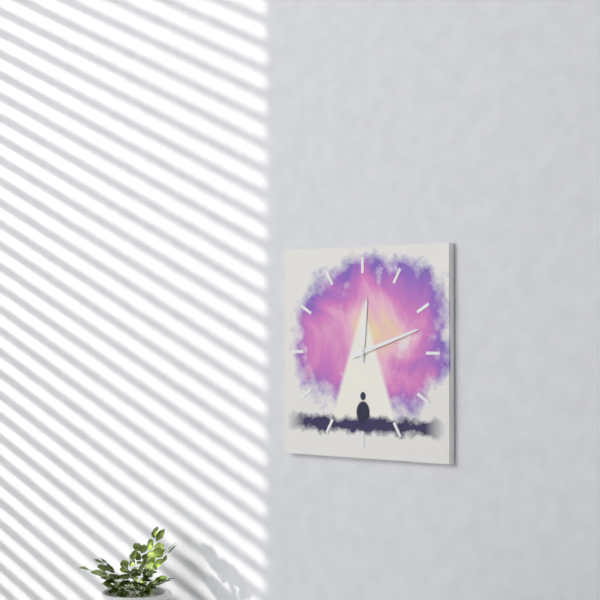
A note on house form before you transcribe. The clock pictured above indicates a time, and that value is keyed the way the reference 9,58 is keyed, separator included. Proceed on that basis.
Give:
12,12
